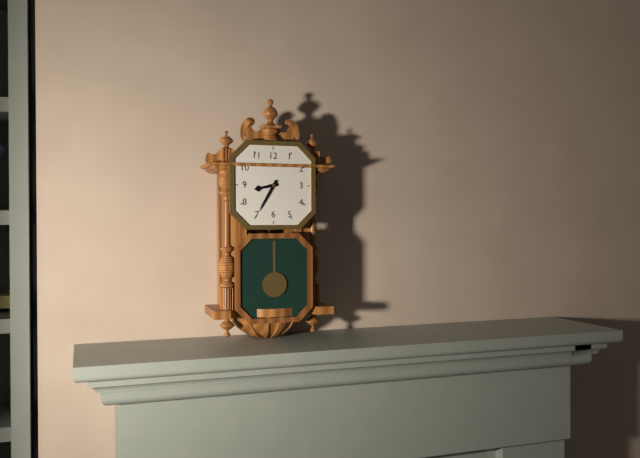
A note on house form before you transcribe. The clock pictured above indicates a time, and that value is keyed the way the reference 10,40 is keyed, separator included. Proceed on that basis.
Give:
8,35
